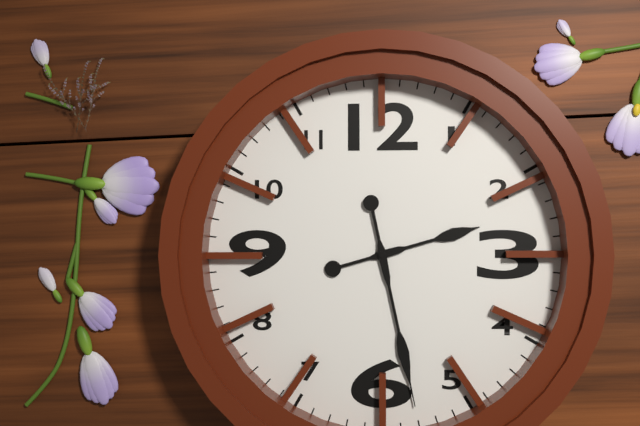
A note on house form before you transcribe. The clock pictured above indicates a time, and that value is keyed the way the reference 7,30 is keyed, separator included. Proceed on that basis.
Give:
2,28
